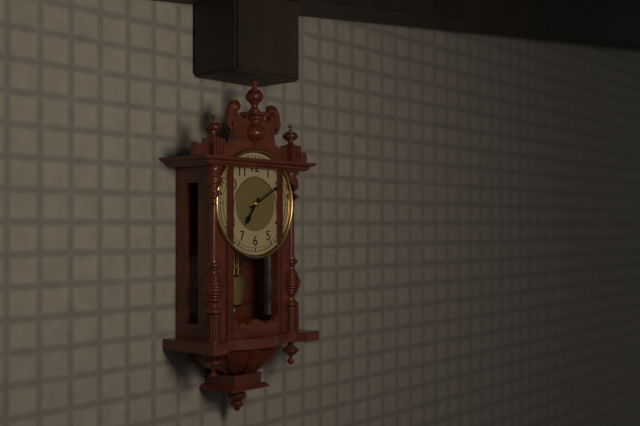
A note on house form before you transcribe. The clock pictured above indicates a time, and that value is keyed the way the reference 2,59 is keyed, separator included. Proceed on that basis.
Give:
7,10
